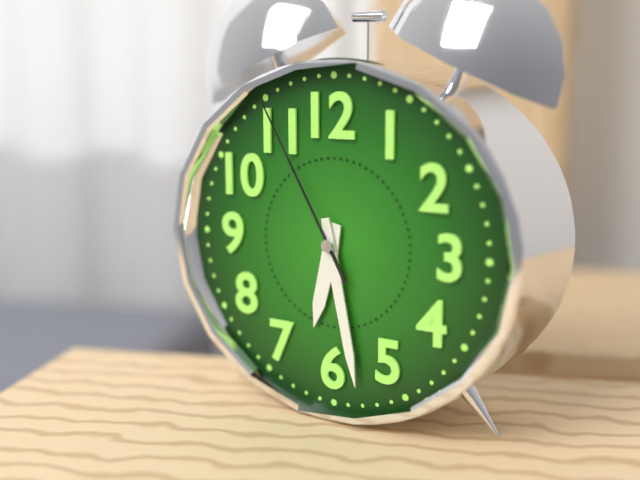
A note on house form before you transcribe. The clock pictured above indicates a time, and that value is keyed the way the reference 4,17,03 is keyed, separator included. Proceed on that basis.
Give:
6,28,55
